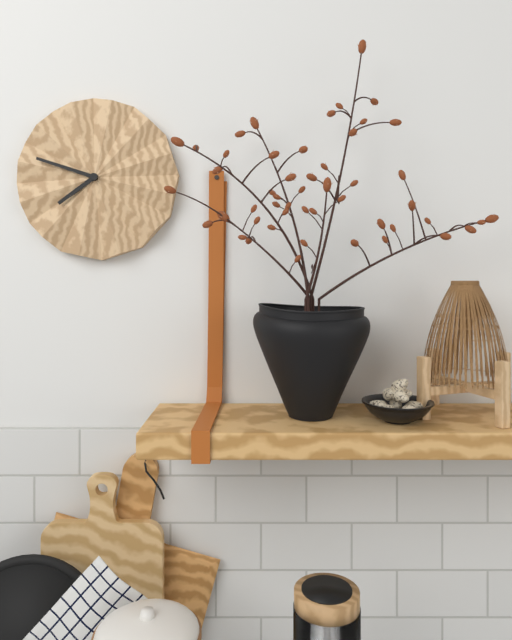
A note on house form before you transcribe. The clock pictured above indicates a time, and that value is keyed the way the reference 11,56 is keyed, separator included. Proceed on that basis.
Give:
7,48
